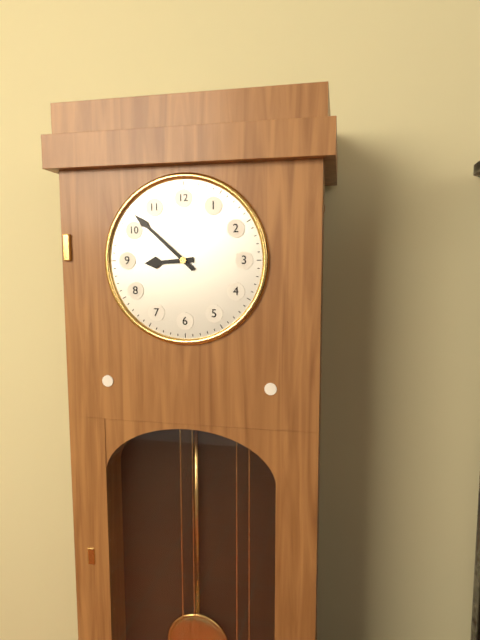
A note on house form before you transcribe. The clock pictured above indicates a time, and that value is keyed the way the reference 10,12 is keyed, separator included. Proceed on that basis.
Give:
8,52
